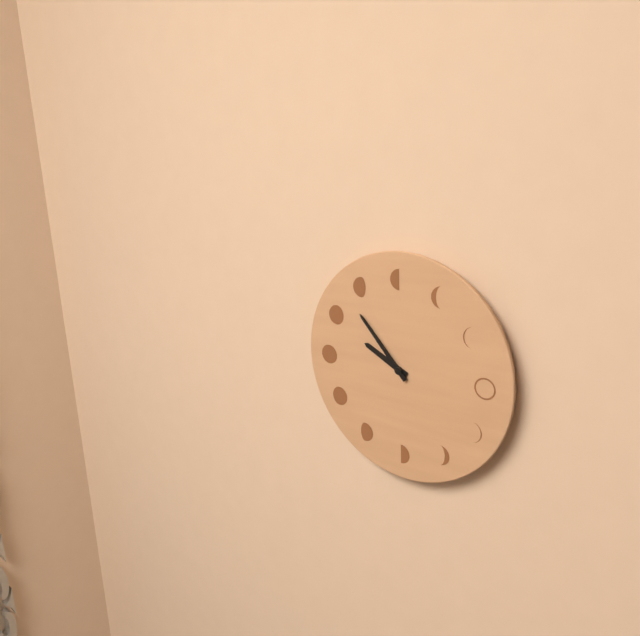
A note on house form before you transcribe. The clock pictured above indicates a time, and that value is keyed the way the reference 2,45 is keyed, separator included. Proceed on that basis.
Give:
9,53
